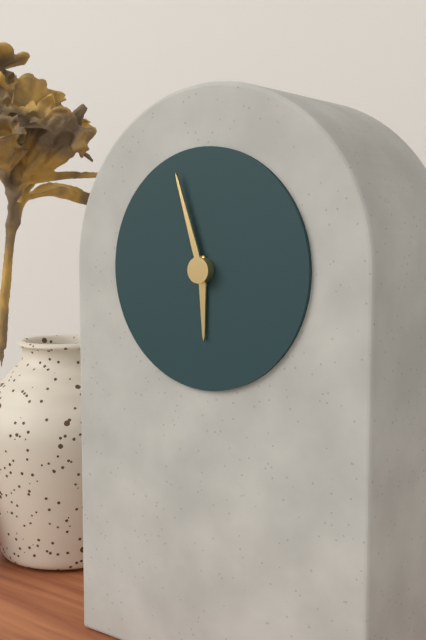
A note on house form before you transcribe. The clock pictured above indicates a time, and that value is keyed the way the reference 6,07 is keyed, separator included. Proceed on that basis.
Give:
5,57
